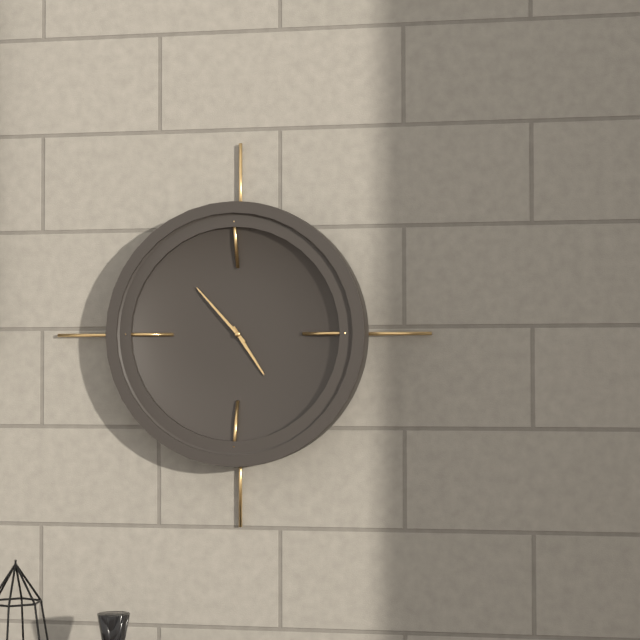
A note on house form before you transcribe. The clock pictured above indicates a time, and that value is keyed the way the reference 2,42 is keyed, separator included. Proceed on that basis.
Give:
4,53
